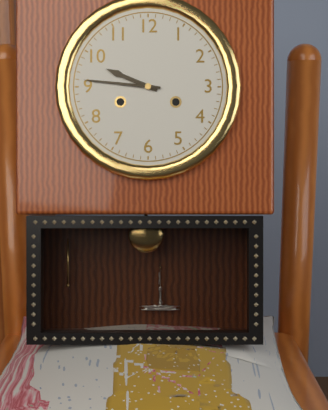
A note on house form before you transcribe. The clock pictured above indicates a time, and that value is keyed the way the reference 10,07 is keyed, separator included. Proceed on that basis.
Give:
9,46
